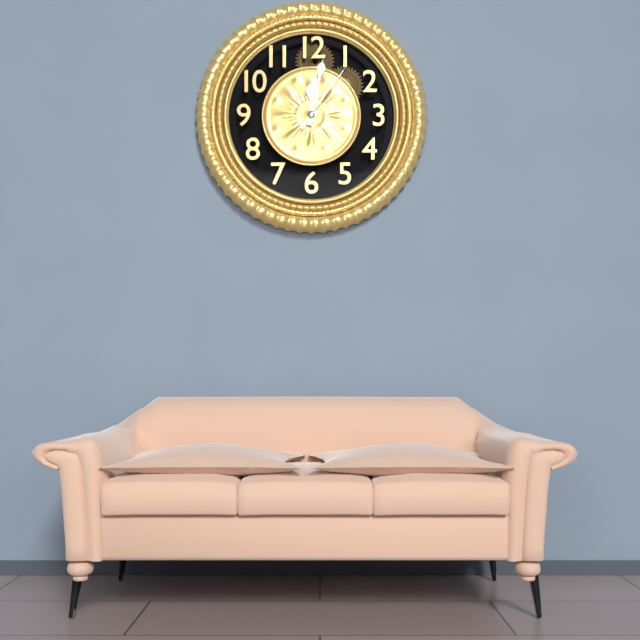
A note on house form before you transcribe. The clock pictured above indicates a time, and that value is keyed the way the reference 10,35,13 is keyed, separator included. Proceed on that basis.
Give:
12,02,06
